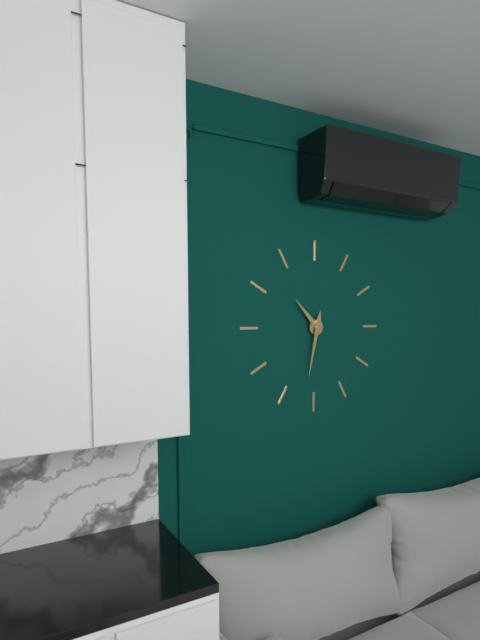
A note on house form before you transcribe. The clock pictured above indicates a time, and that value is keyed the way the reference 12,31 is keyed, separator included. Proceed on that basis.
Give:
10,32
